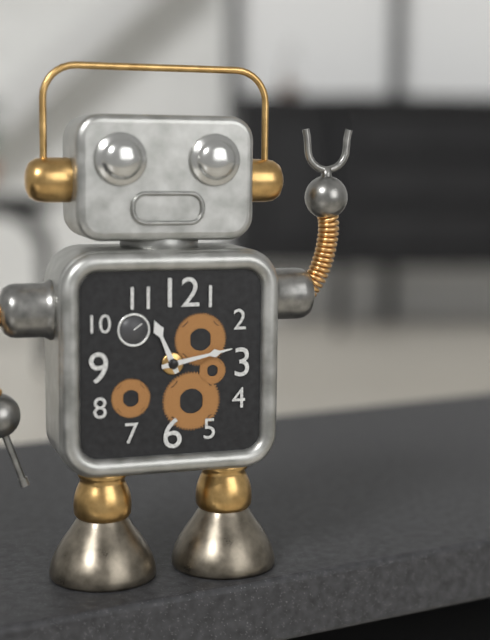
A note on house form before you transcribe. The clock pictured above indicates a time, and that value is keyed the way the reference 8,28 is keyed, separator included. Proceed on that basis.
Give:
11,13
